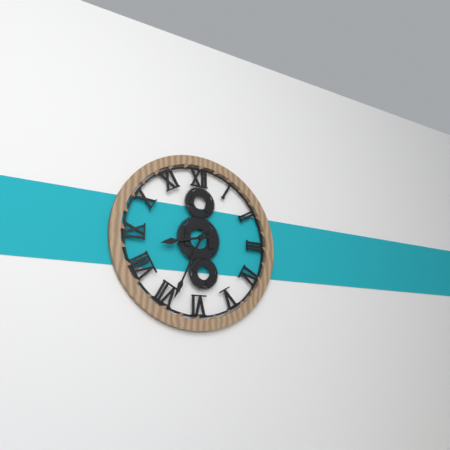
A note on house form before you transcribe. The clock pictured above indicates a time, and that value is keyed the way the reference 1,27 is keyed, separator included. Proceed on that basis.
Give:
8,34
